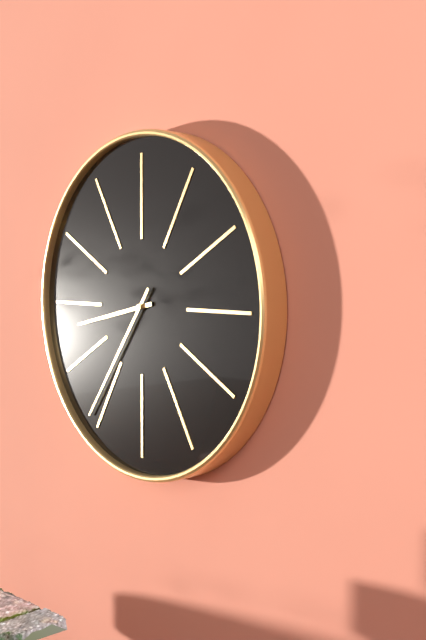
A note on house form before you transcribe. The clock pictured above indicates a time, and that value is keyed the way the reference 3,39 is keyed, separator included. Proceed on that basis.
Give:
8,36
